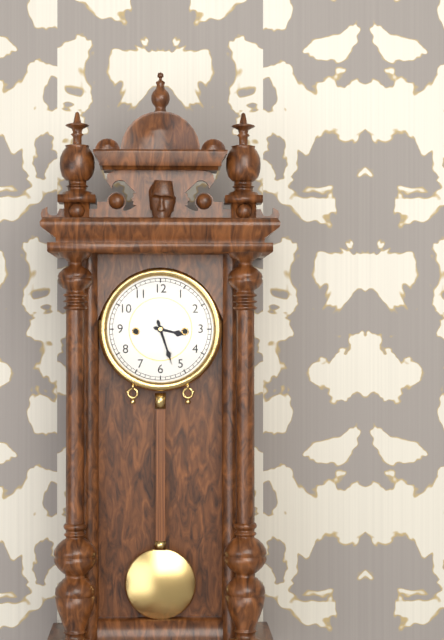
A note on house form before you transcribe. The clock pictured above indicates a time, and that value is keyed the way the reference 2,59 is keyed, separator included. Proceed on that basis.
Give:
3,27
